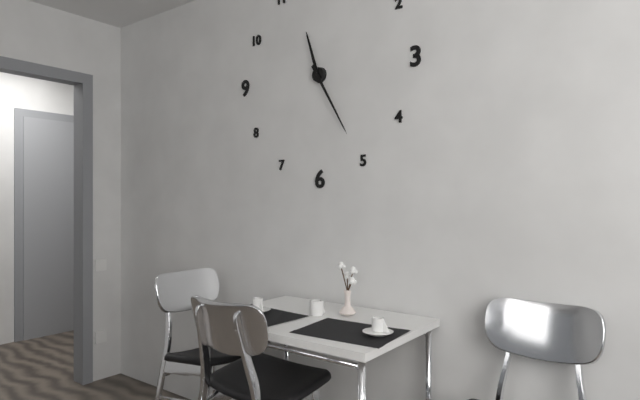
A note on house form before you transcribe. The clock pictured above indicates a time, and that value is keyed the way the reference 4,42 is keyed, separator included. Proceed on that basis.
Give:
11,25
